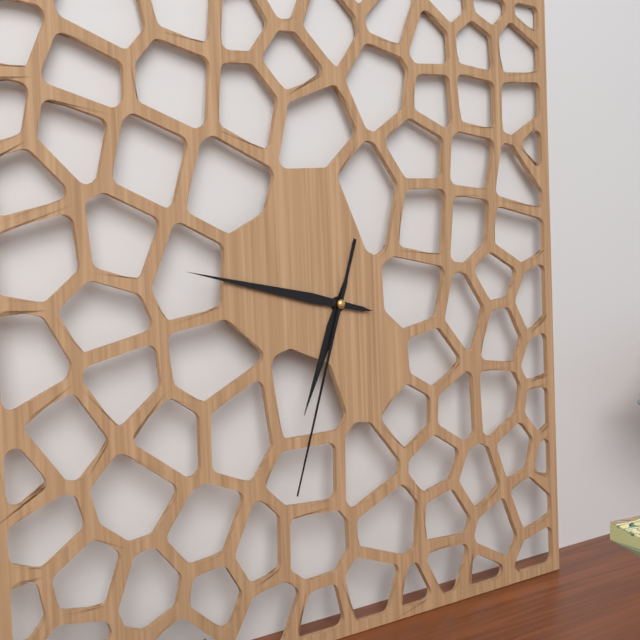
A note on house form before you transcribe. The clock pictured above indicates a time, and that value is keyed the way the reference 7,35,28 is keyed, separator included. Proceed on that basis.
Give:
6,47,33
